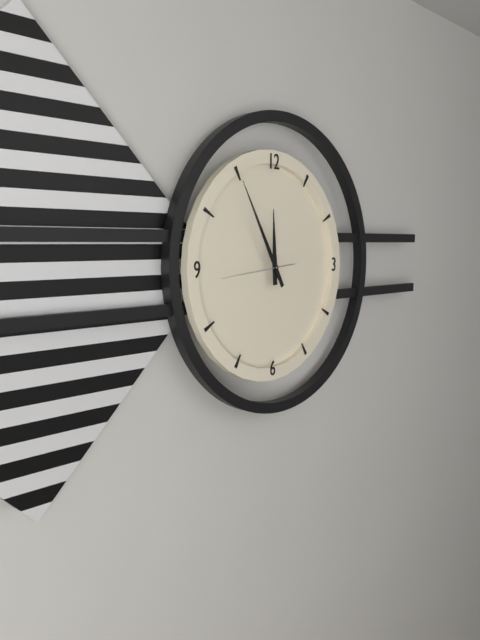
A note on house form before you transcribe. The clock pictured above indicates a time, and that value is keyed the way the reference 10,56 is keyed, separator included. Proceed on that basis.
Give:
11,55
